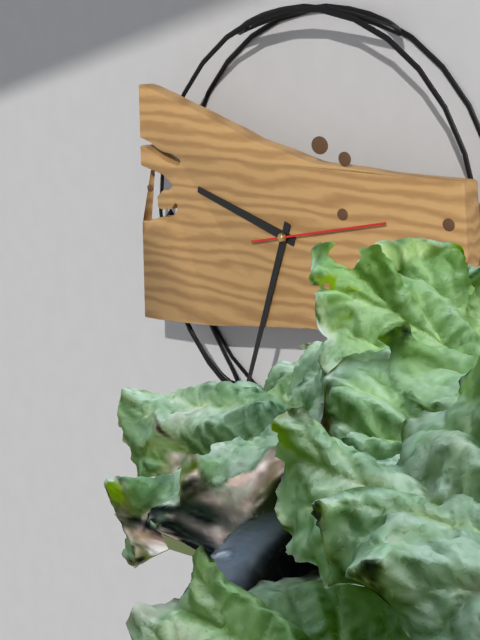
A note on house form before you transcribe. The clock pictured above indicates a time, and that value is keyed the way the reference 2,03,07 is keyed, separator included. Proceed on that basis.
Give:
9,33,13
